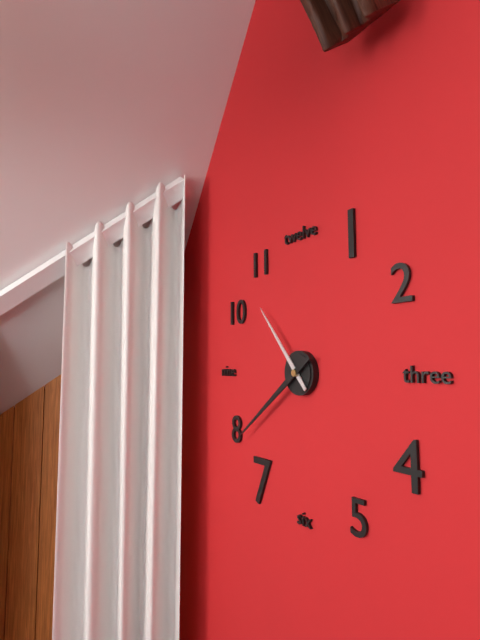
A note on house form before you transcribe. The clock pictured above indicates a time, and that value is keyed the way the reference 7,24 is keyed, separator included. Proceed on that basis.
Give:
10,39
